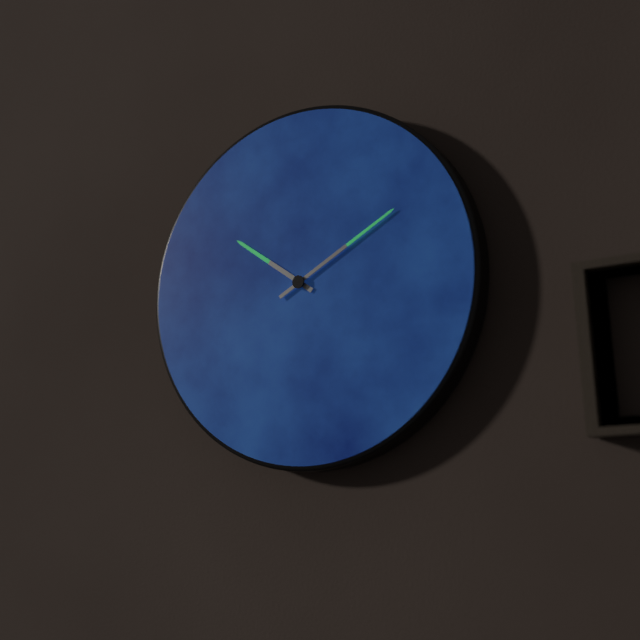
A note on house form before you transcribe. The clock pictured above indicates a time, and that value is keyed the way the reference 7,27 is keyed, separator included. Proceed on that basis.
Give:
10,10
